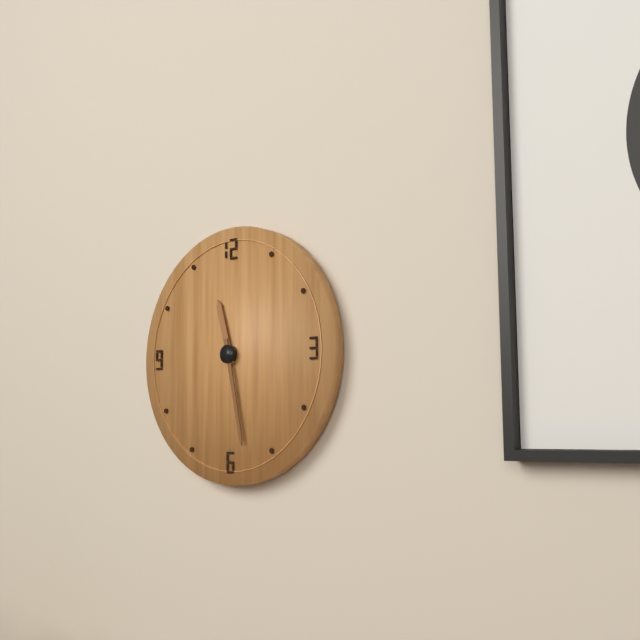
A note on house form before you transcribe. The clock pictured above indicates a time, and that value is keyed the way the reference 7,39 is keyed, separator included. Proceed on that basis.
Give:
11,28
